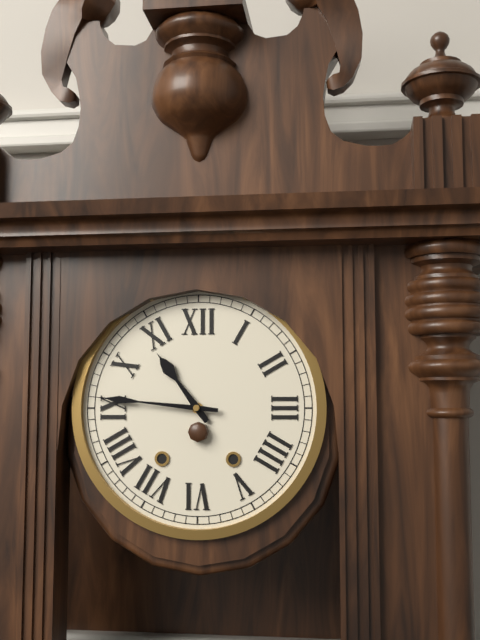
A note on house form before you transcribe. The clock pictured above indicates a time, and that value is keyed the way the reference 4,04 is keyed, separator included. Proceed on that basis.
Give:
10,46
